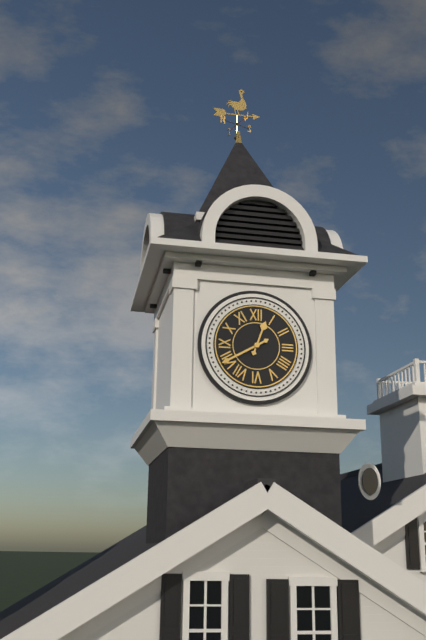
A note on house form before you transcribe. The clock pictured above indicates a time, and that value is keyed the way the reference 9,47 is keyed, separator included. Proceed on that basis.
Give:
12,40
